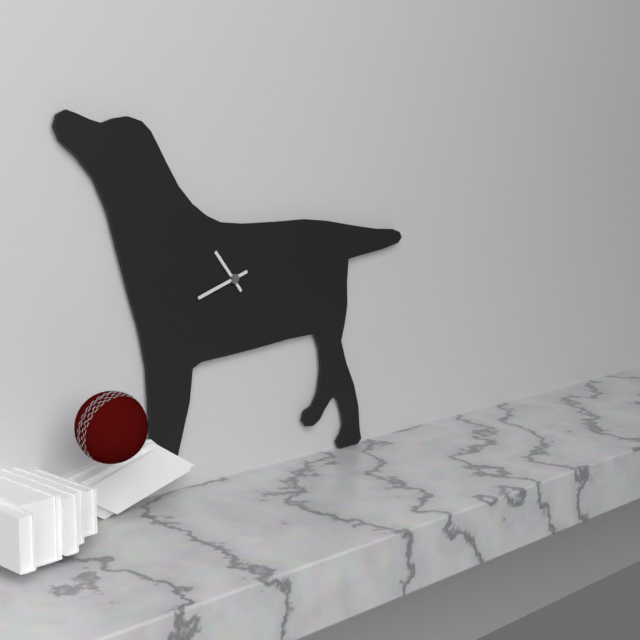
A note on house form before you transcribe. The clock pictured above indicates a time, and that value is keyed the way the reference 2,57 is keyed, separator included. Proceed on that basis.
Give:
10,42
